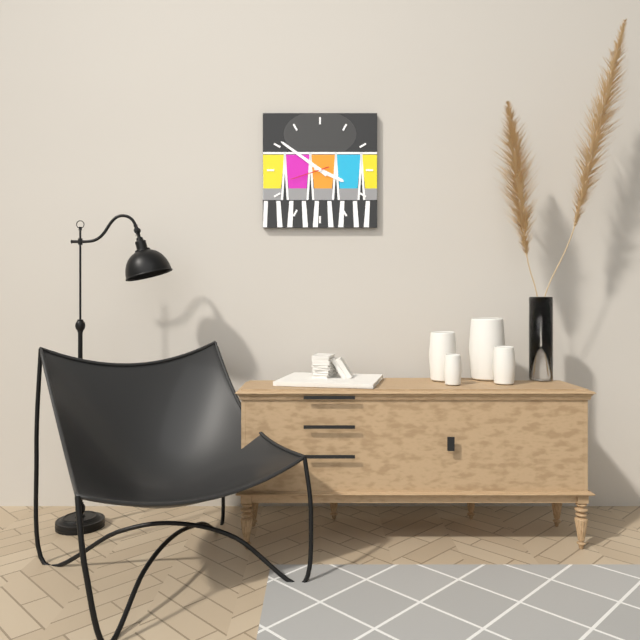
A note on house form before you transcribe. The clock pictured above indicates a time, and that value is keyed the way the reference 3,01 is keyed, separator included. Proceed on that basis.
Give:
3,51
